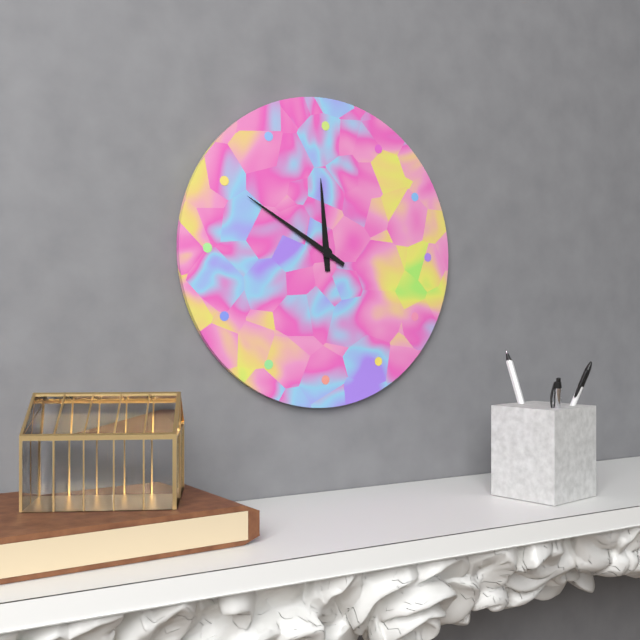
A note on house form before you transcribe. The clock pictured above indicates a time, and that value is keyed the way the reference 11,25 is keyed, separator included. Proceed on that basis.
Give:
11,50
